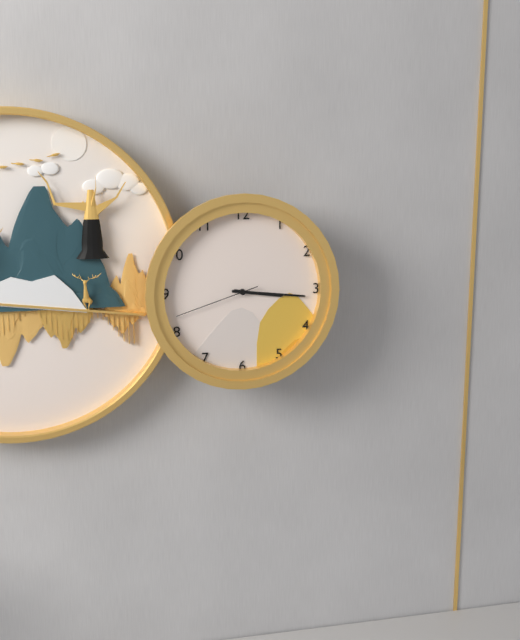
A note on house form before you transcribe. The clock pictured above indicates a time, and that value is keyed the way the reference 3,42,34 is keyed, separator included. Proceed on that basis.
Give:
3,16,42
